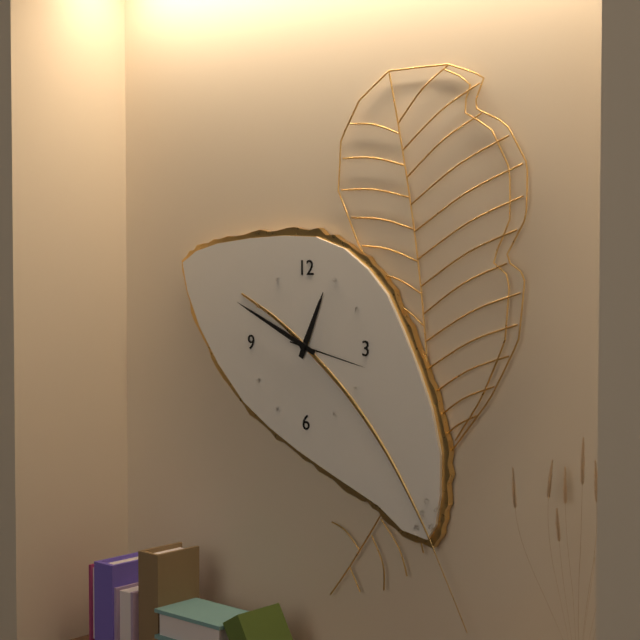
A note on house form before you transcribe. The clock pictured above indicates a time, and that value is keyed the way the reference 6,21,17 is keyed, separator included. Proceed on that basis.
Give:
12,49,17
